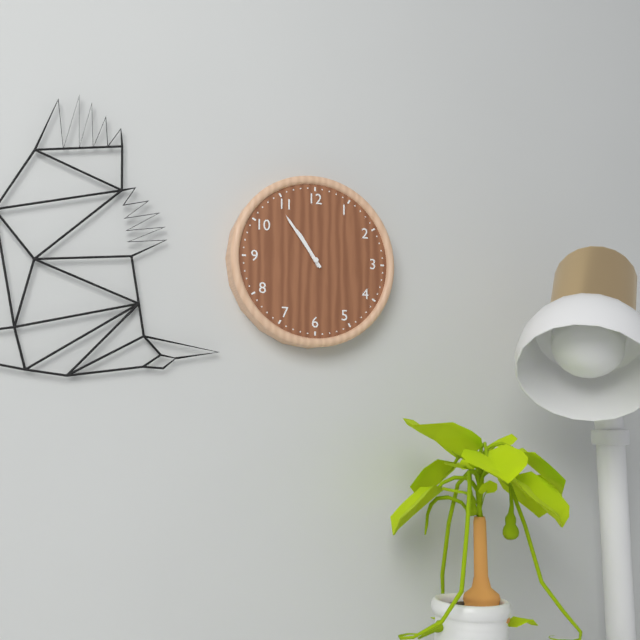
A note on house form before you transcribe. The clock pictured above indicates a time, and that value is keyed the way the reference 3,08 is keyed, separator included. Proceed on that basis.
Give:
10,54
